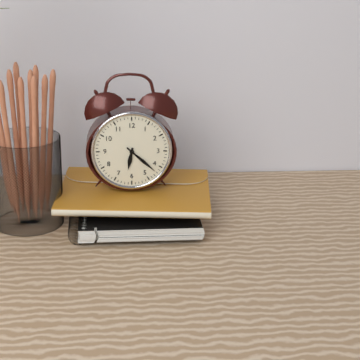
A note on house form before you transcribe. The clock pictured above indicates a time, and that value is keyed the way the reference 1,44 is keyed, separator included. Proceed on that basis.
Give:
6,22
